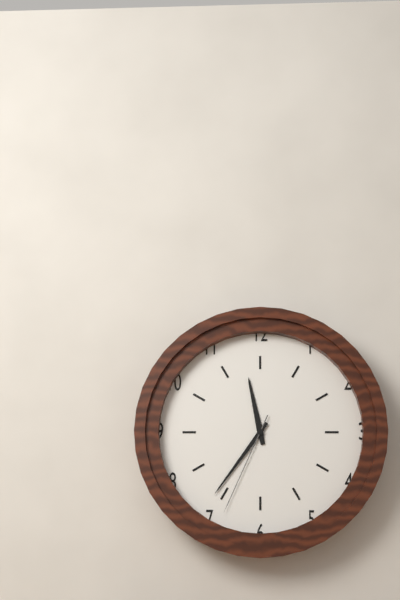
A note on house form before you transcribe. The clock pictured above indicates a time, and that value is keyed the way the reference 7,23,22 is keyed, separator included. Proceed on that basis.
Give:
11,36,34
